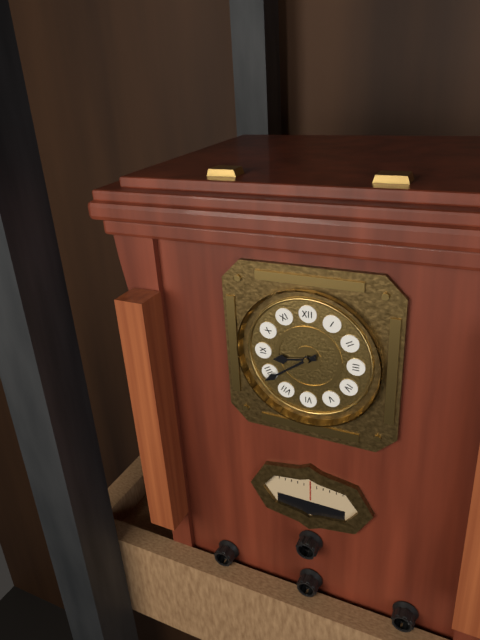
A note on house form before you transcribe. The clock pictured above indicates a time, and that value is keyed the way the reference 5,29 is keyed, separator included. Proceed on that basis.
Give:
8,39
